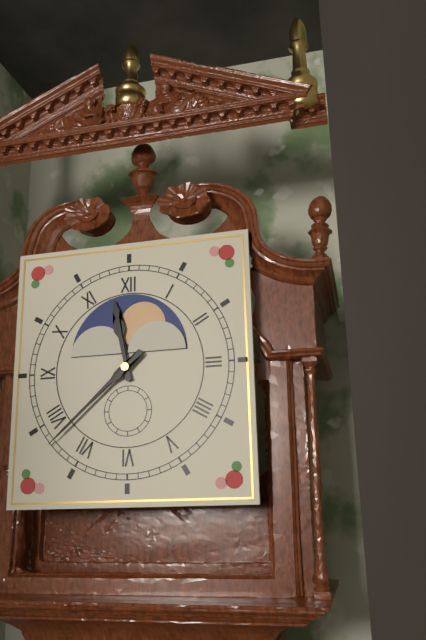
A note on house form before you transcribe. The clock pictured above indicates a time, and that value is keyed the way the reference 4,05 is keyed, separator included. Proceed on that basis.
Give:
11,38
